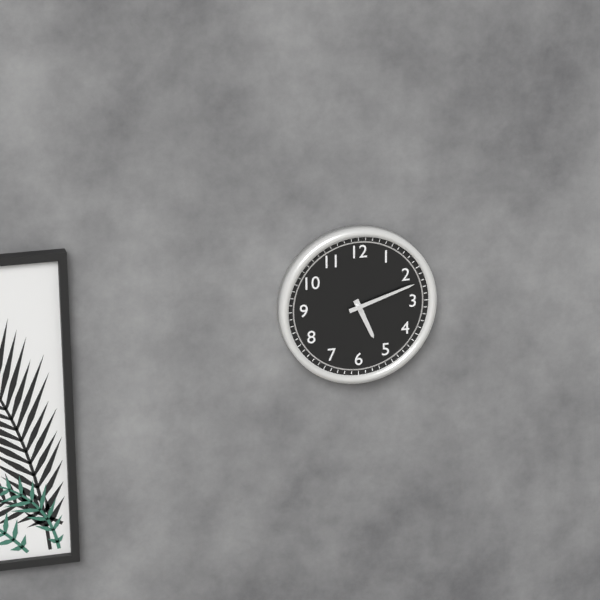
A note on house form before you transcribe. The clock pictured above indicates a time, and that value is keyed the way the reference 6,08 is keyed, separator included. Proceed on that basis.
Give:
5,12
